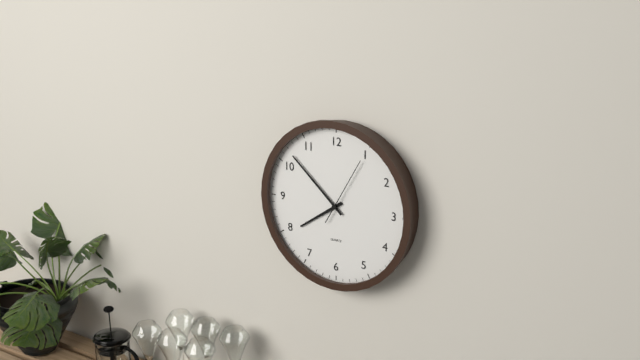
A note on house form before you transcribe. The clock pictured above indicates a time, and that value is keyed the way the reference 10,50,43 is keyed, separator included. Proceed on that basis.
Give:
7,52,05
